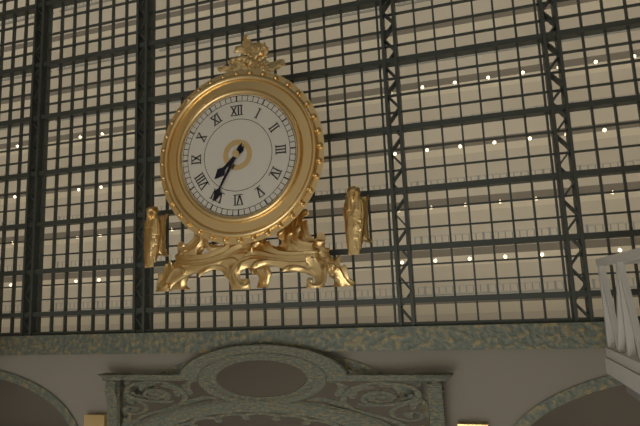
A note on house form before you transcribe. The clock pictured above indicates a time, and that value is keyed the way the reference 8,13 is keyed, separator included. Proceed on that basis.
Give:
7,35
